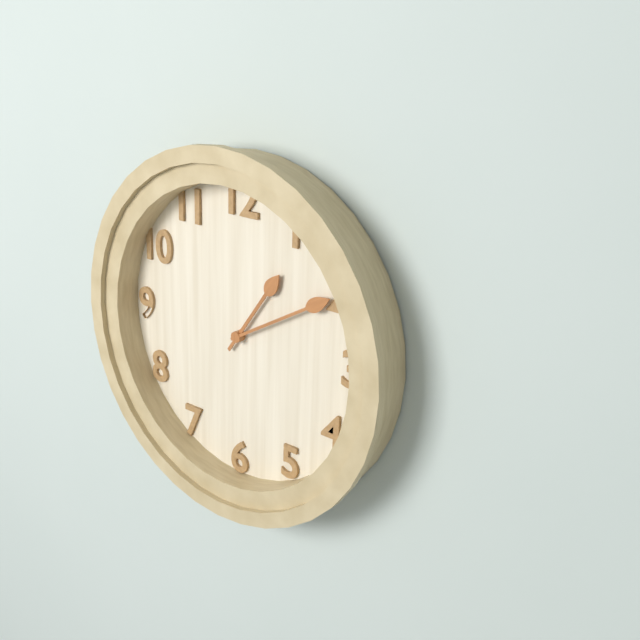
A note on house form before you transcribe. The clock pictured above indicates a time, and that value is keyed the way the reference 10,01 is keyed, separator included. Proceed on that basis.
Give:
1,10
